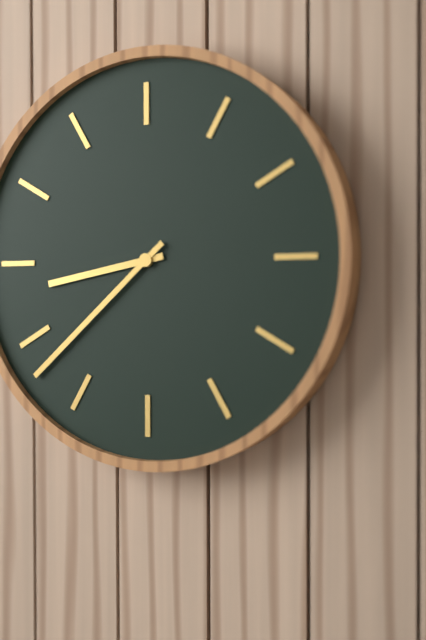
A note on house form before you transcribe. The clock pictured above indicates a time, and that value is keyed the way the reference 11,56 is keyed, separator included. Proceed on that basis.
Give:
8,38
